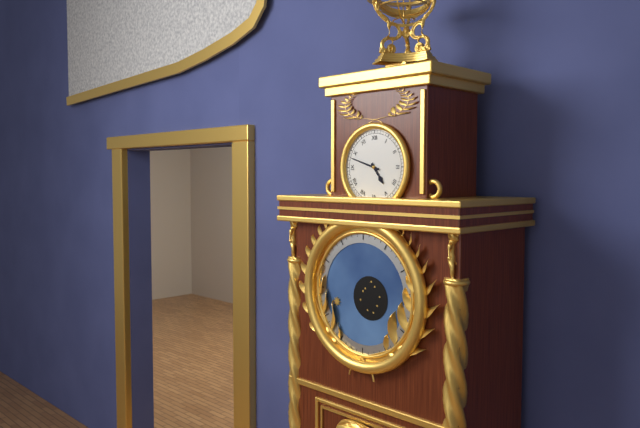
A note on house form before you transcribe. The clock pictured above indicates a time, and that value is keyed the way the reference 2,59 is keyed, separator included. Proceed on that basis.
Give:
4,48
